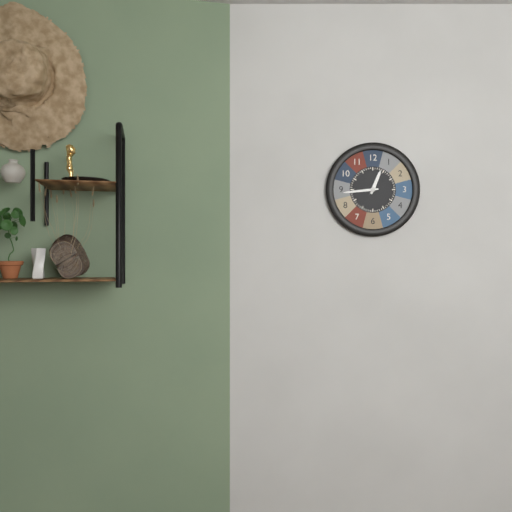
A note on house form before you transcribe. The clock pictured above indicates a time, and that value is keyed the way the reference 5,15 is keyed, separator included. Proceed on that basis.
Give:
12,44
